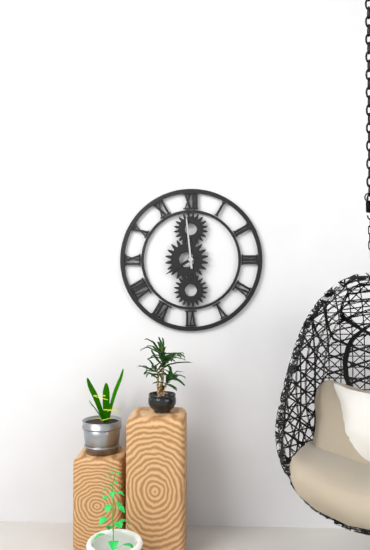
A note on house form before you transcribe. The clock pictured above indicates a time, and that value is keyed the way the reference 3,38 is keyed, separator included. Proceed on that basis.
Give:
7,59
